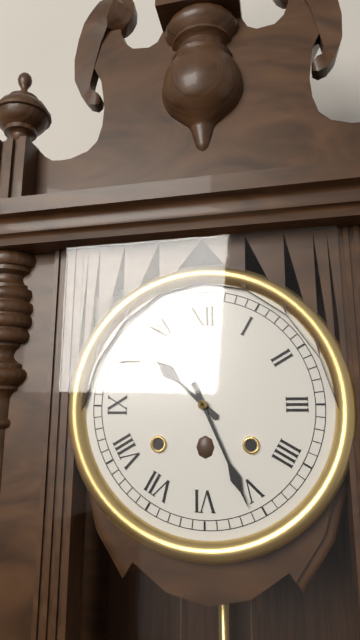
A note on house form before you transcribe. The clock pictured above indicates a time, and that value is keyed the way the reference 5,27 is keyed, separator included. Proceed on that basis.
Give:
10,26
